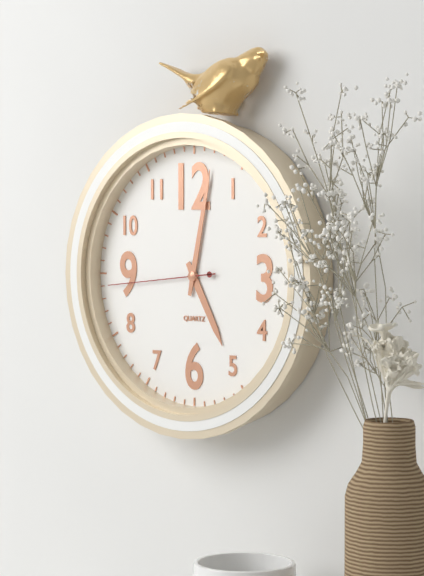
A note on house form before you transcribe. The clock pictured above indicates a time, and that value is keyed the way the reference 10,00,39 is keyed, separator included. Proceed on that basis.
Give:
5,02,44
